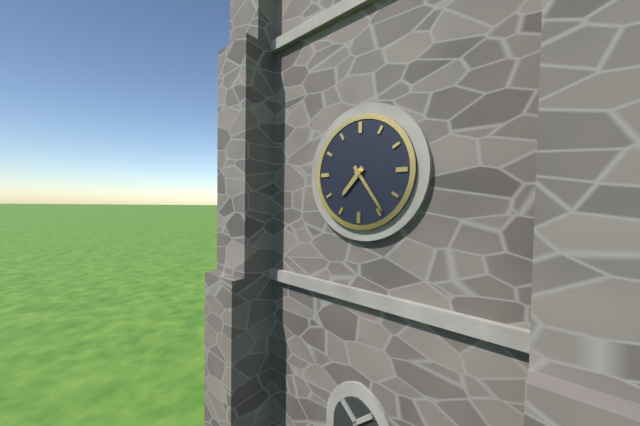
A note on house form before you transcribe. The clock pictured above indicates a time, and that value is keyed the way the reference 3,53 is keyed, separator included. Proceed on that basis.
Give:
7,24
